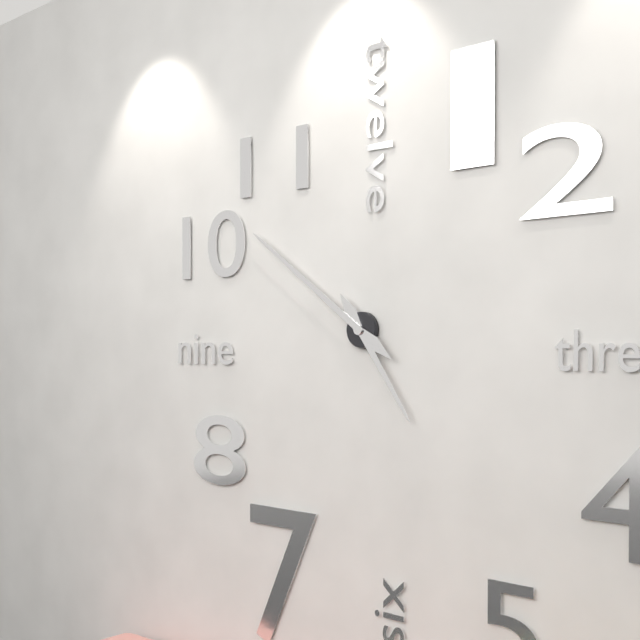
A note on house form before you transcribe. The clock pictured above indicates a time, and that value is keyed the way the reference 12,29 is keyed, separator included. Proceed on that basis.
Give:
4,51
